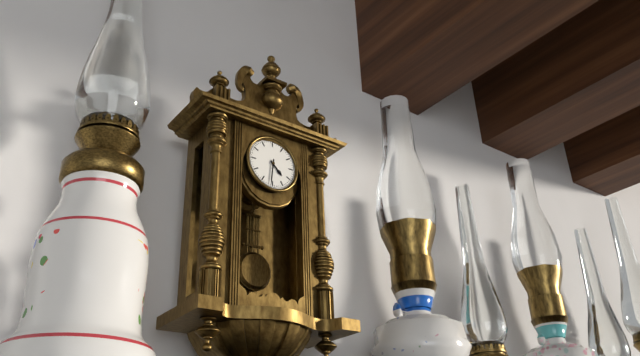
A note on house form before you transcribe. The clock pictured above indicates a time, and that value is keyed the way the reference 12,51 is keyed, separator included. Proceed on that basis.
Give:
4,31
